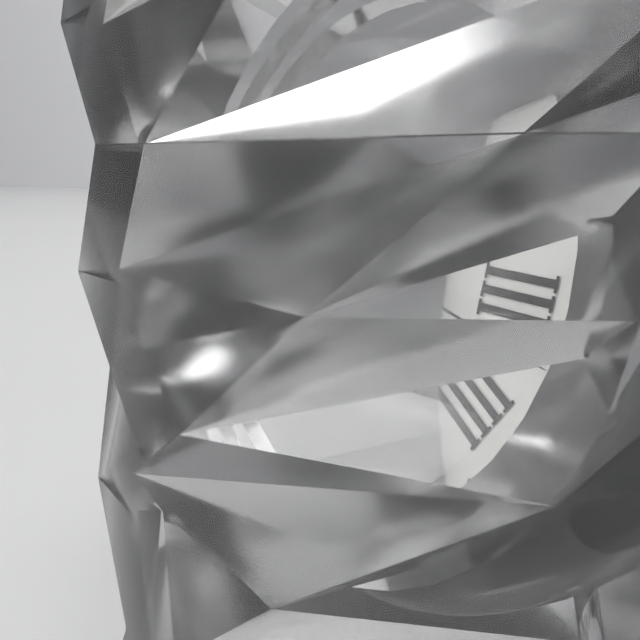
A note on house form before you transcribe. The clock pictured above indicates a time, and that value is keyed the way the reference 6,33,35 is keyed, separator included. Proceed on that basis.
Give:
11,54,17
